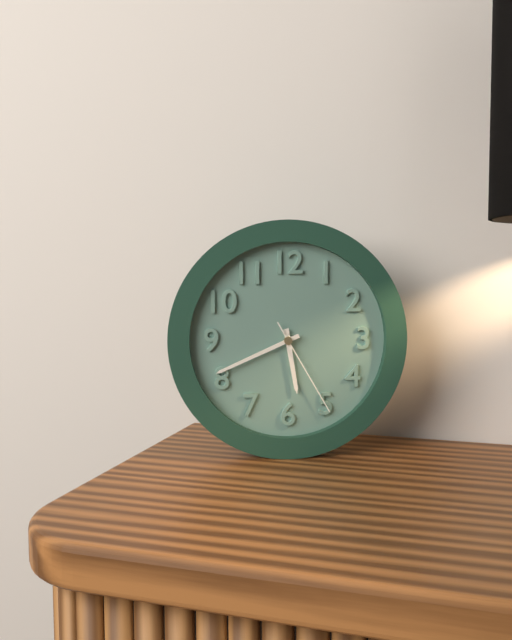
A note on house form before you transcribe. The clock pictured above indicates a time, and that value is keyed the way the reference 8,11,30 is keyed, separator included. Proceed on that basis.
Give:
5,41,25
